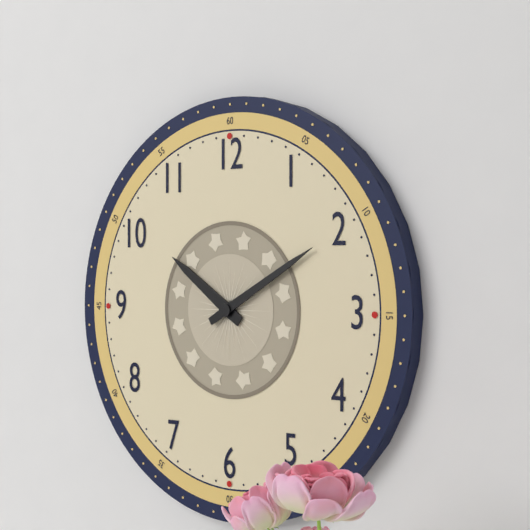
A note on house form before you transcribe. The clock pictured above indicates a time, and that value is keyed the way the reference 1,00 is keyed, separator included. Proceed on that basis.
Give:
10,10
